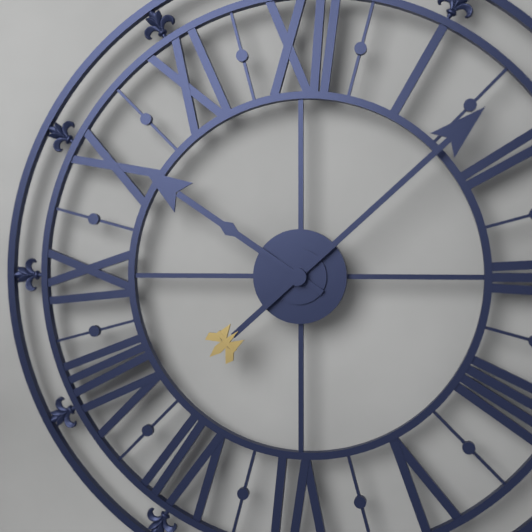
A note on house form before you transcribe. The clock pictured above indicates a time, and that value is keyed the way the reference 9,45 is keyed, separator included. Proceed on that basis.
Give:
10,08
